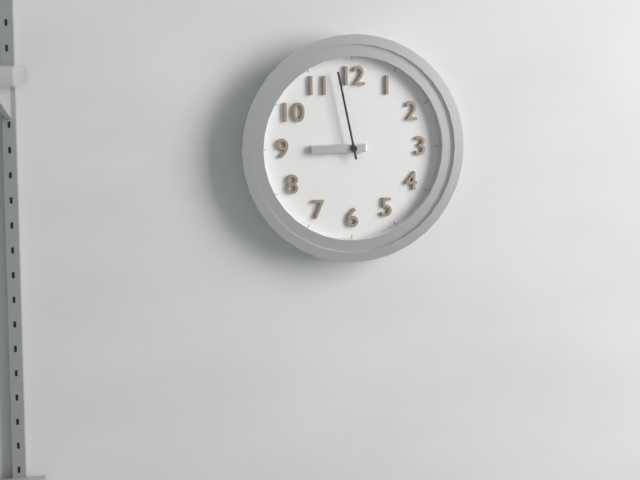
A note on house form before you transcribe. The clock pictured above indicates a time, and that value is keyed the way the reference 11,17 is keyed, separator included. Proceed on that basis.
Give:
8,58
